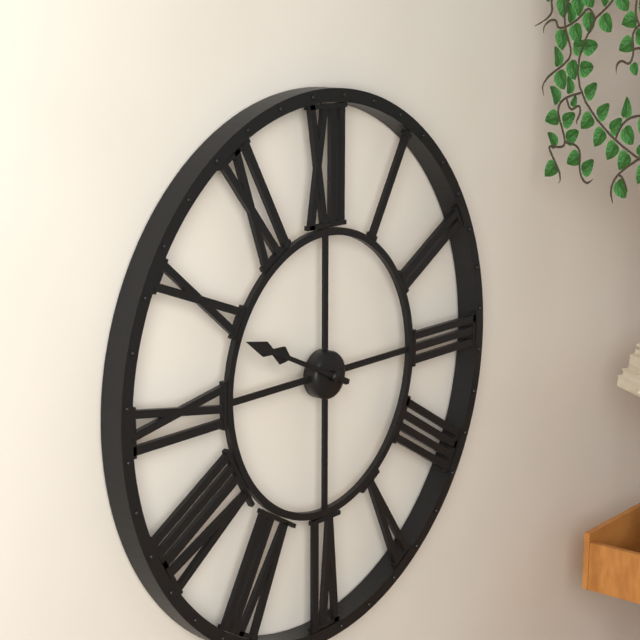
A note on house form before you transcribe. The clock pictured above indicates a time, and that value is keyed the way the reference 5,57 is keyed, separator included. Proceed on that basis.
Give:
9,49
